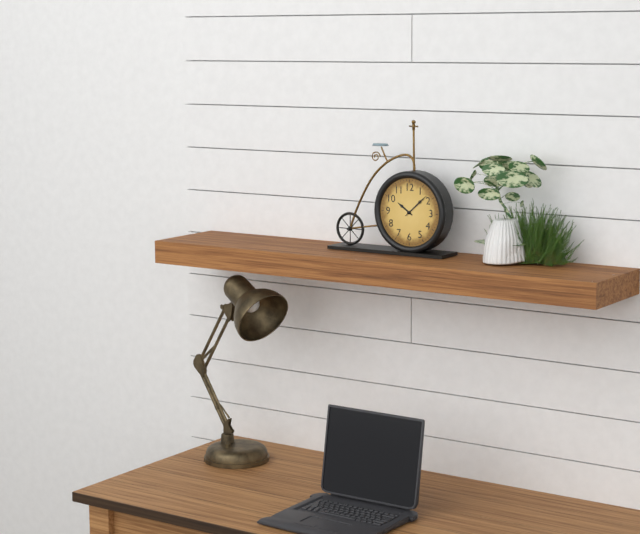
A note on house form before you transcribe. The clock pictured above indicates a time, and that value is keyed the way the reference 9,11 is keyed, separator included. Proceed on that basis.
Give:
10,08
